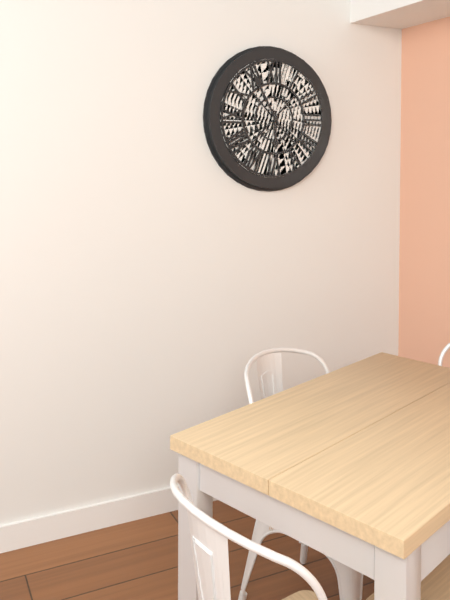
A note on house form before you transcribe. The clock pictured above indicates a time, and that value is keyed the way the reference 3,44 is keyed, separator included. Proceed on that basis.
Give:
5,55
